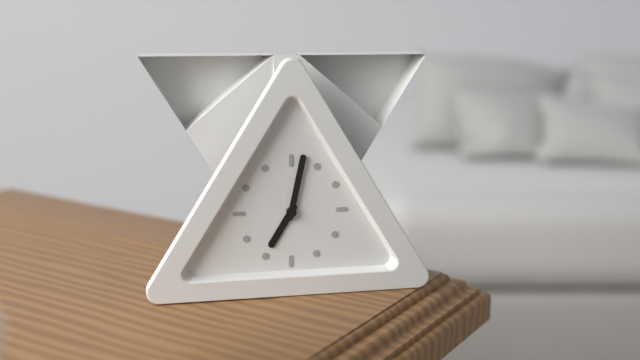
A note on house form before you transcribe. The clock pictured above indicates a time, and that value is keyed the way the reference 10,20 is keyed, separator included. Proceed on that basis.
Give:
7,02
